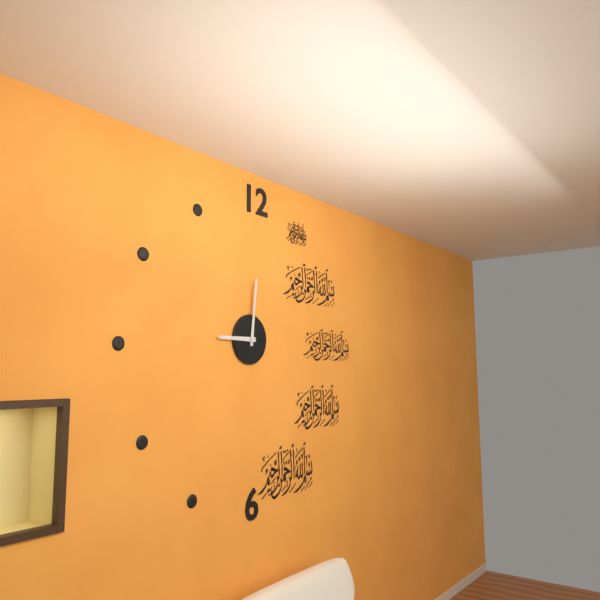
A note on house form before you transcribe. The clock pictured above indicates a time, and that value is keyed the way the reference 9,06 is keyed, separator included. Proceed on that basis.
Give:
9,01
